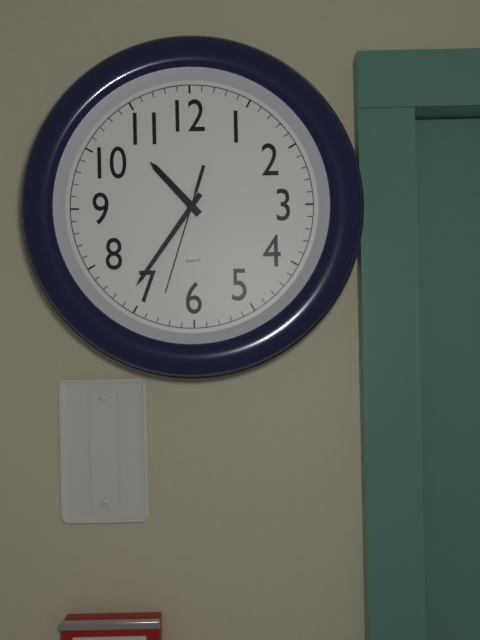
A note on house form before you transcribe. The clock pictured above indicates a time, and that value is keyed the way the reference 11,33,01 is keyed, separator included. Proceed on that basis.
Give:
10,36,33
